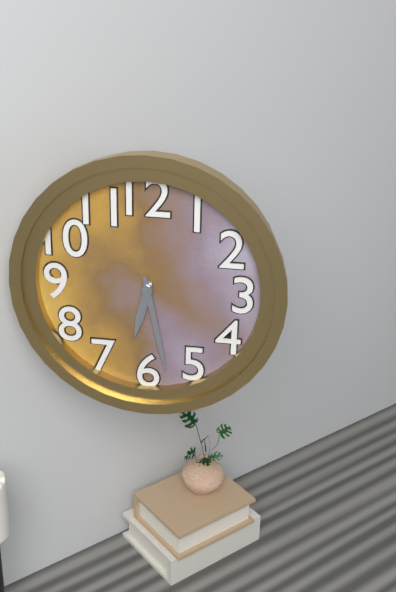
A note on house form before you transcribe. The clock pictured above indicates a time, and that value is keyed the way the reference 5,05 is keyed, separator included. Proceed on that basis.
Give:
6,28
